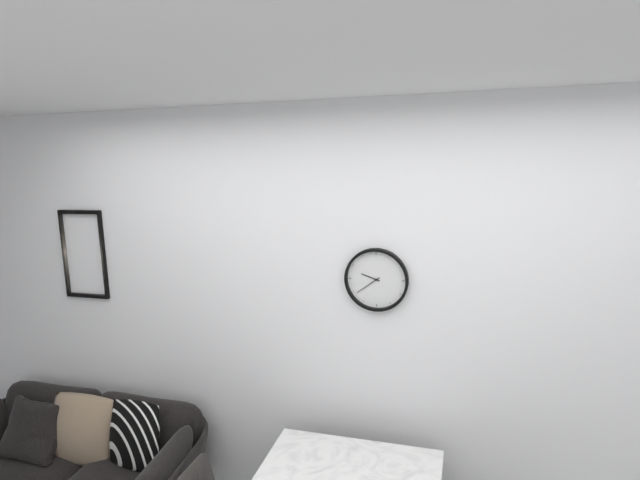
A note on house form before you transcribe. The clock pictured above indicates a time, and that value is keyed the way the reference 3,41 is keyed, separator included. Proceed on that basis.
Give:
9,39
